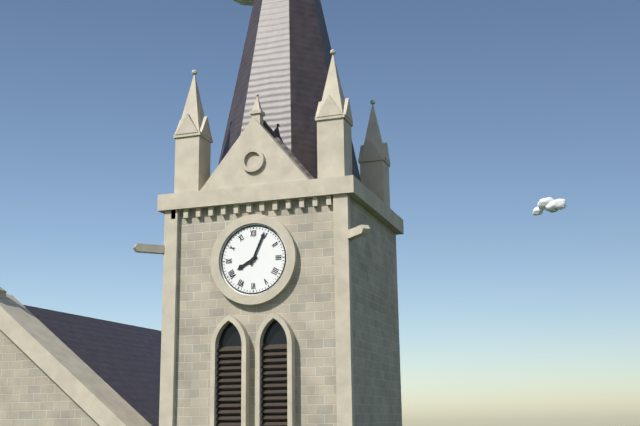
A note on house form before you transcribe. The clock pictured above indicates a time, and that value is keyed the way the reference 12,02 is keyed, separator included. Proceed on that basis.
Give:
8,04
